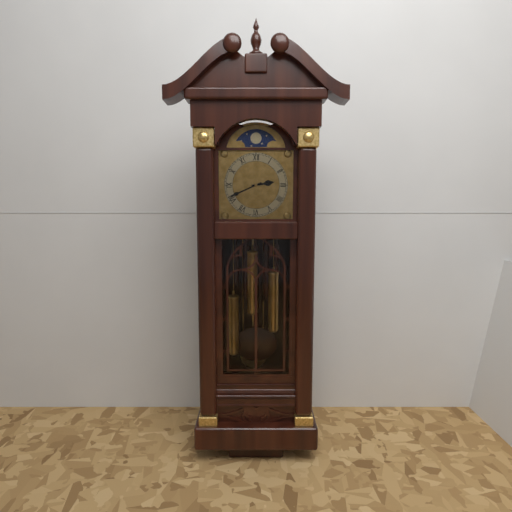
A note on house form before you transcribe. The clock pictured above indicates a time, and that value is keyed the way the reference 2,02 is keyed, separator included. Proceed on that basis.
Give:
2,41
